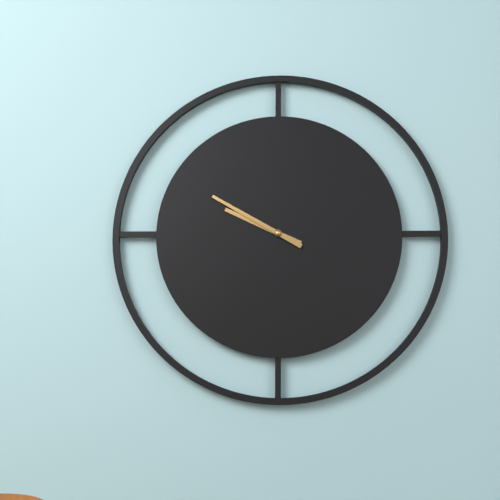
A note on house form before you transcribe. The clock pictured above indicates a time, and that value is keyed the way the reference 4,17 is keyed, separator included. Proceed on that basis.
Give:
9,50
